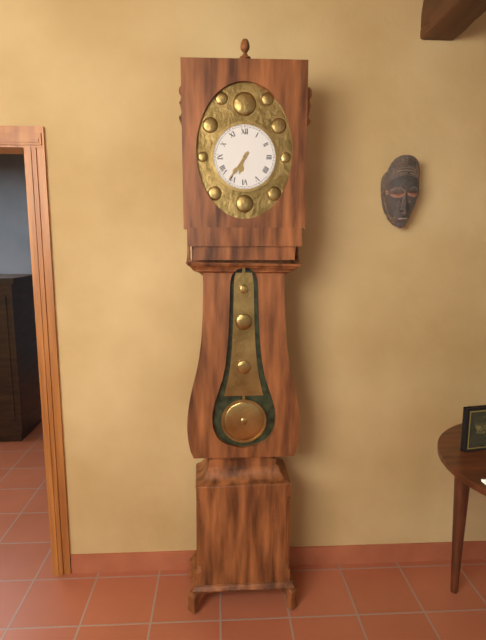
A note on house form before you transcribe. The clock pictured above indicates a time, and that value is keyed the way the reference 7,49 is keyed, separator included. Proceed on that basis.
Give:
6,36
